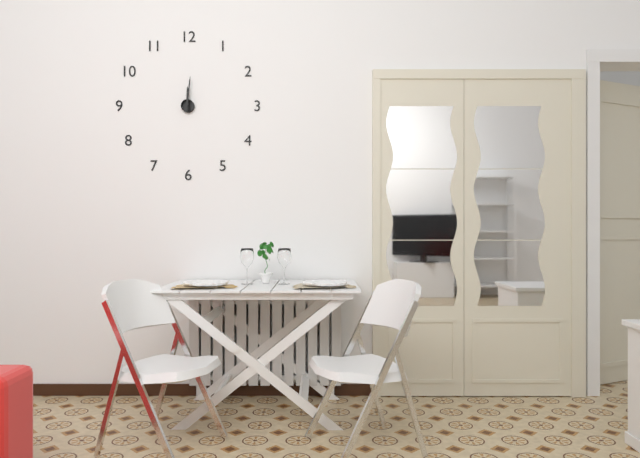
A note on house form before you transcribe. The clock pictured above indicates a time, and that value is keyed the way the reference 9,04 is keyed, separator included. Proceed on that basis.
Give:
12,01
